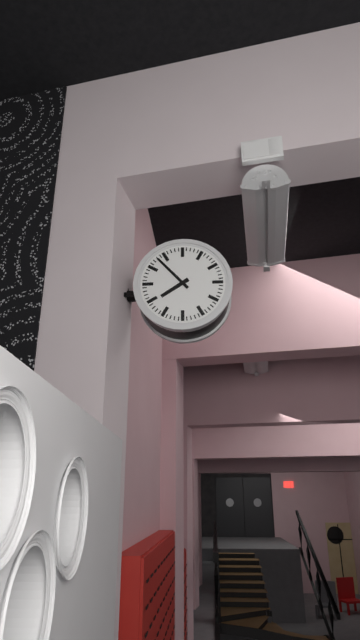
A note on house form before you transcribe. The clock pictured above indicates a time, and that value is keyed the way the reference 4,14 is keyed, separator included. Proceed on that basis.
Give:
7,53
